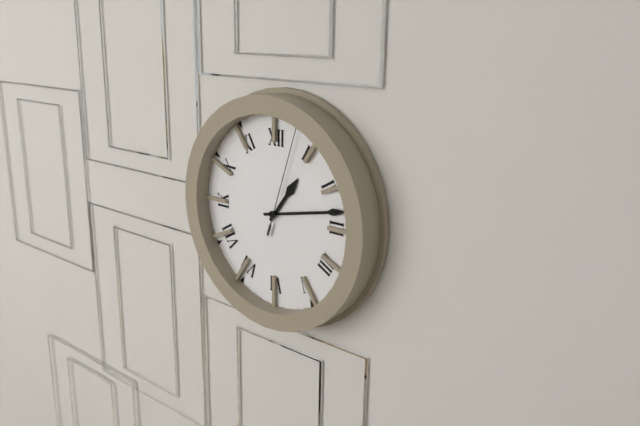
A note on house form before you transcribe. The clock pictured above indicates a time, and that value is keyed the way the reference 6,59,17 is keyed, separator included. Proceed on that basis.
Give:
1,13,03
